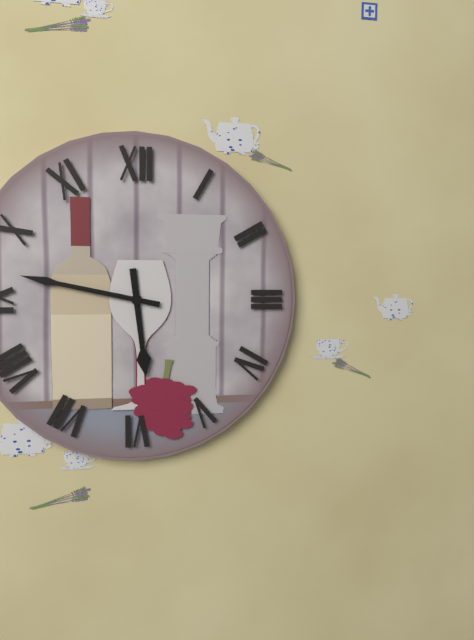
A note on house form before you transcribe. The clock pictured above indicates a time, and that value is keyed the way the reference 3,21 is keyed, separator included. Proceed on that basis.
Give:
5,47
